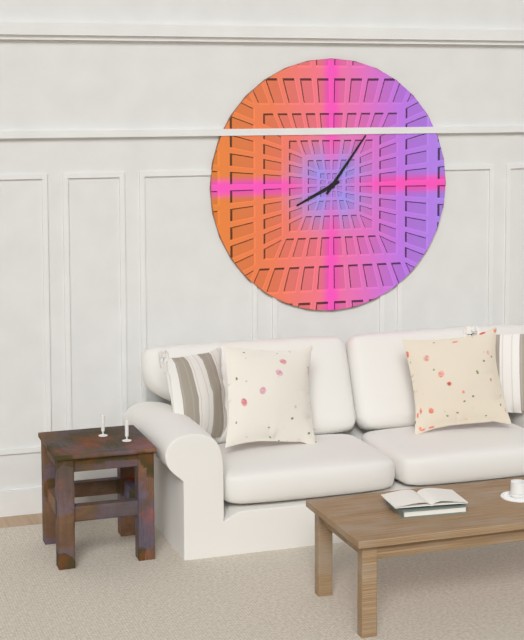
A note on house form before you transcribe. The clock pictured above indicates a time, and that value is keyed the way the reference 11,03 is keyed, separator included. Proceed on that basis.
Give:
8,06
